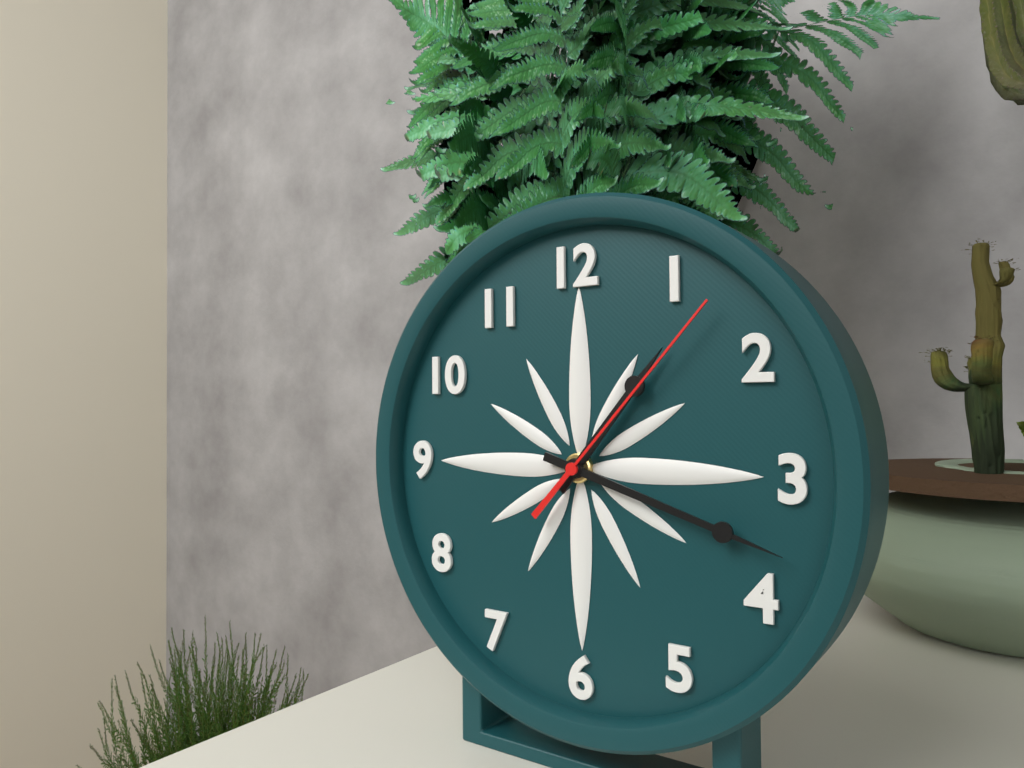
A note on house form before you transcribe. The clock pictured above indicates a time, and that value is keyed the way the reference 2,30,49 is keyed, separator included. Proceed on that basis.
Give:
1,18,07
